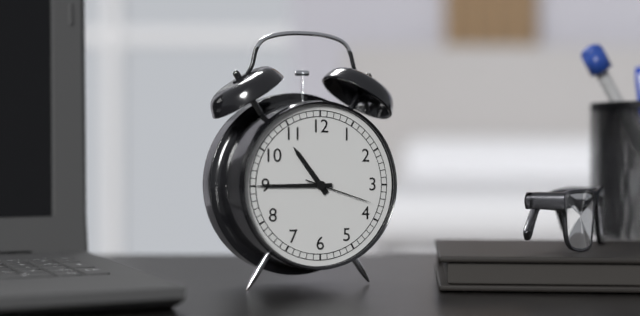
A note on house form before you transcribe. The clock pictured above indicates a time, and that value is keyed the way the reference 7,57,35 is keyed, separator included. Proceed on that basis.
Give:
10,45,18
